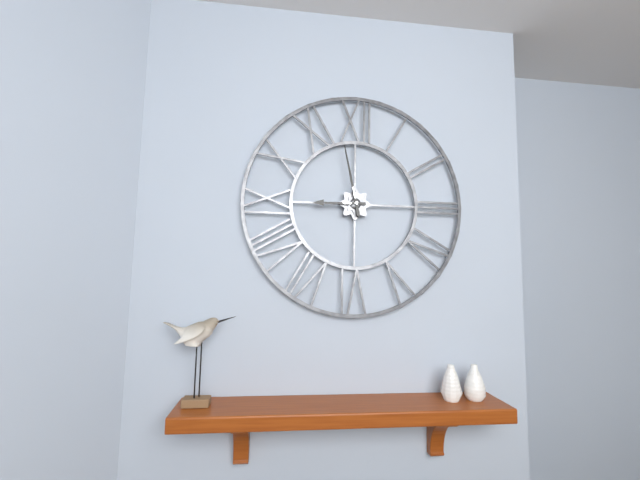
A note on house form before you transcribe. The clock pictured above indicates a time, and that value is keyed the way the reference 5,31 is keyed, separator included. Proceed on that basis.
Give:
8,58
